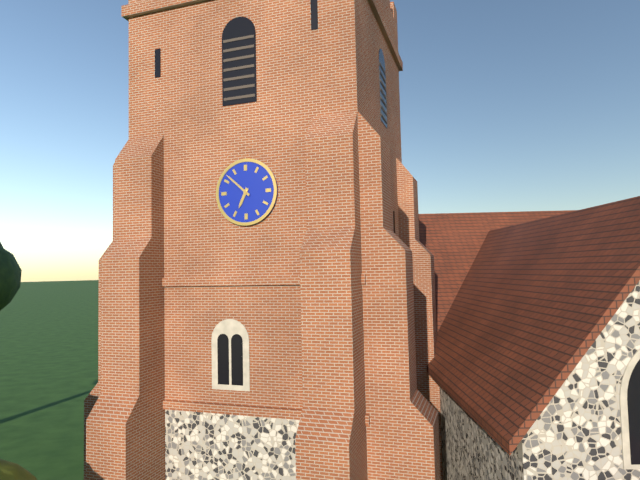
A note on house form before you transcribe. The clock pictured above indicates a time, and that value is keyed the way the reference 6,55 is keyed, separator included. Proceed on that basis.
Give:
6,52
